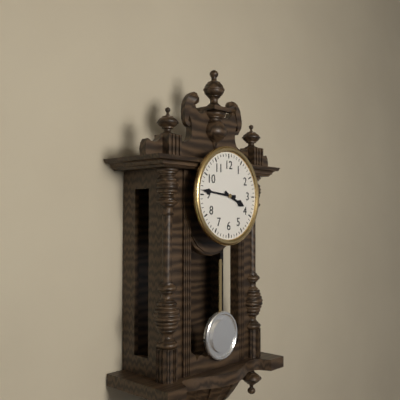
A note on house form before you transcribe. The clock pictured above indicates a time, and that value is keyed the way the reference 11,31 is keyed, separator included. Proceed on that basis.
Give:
3,46
